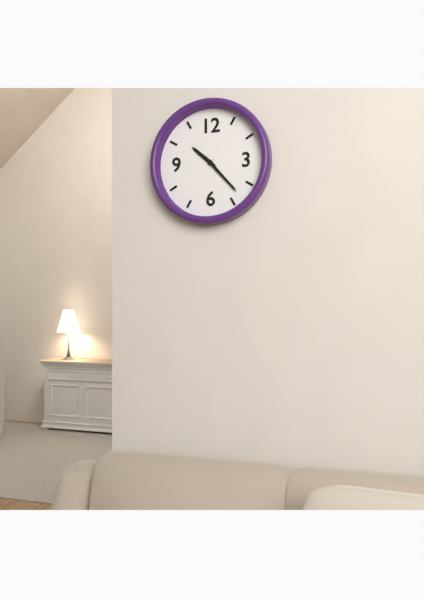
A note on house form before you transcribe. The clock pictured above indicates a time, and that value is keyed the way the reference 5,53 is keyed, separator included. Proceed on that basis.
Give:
10,23
